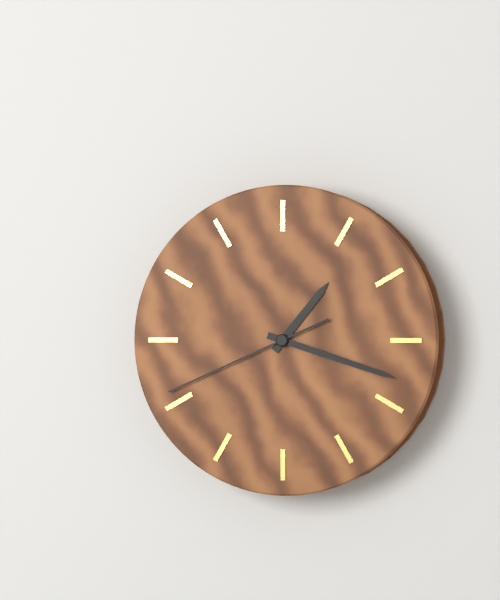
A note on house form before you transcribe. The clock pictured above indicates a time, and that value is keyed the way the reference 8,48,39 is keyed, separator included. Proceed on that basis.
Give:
1,18,41
